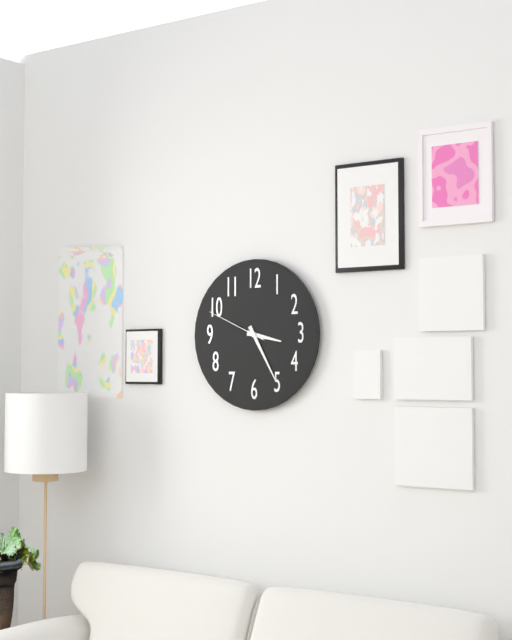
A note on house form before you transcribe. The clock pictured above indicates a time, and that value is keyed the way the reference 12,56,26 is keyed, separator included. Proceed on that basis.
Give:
3,25,49
